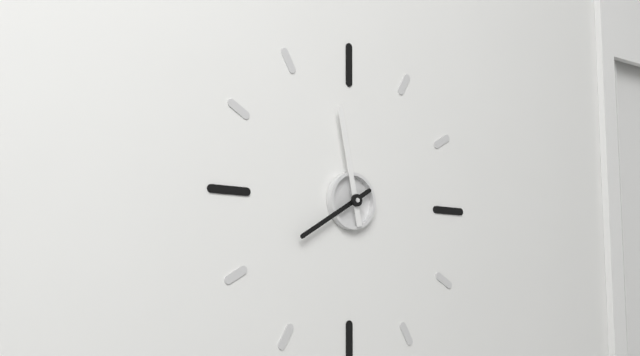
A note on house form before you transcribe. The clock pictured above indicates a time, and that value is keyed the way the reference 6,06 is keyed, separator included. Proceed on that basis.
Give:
7,58
